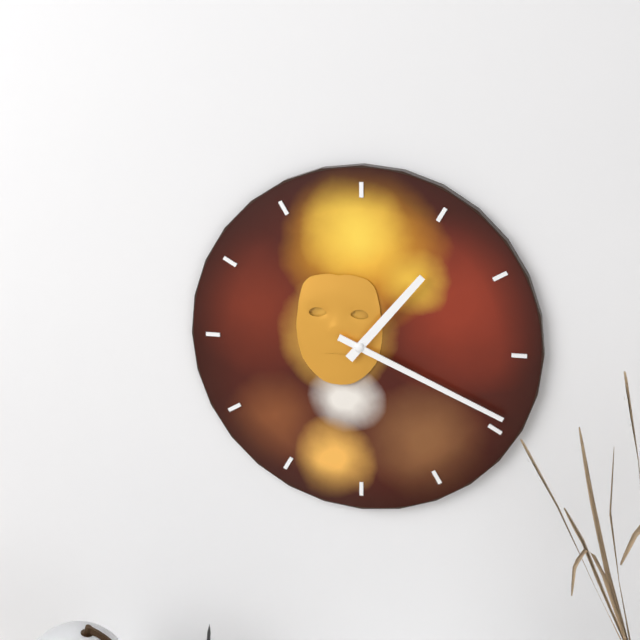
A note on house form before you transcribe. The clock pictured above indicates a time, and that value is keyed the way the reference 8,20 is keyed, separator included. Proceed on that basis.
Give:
1,19
